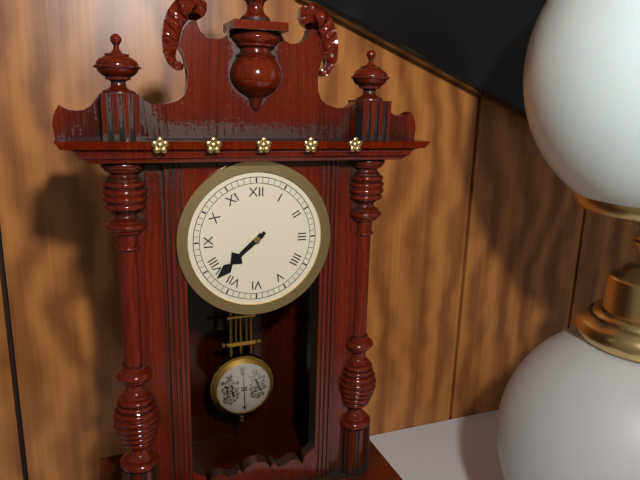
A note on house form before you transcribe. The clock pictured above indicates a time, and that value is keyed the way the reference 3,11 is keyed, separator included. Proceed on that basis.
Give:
7,38
